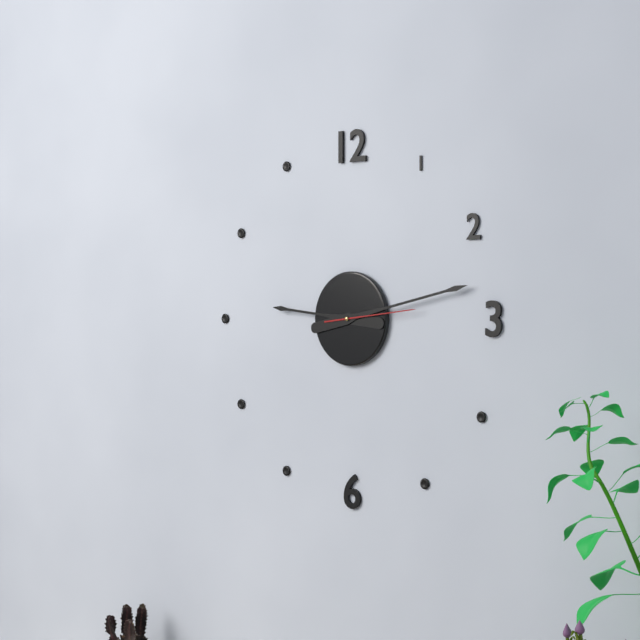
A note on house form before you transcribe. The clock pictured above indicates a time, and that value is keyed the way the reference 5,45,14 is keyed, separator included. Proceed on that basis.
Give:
9,13,14
